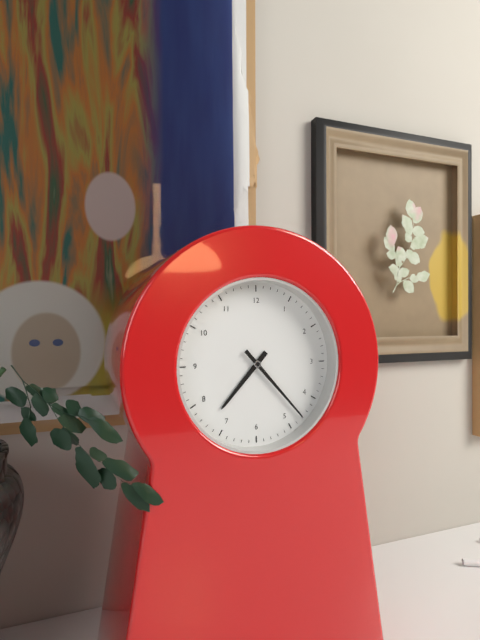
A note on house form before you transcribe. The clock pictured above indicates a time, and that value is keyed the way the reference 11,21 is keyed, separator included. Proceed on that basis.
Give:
7,23
